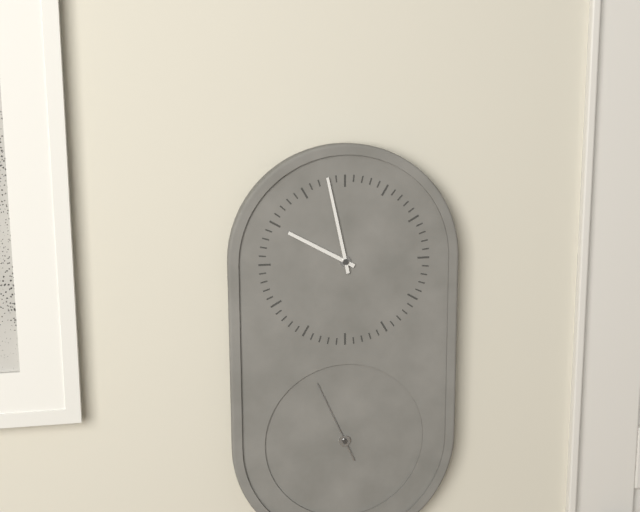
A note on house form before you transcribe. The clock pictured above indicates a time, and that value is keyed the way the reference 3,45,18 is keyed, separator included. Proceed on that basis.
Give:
9,58,56
